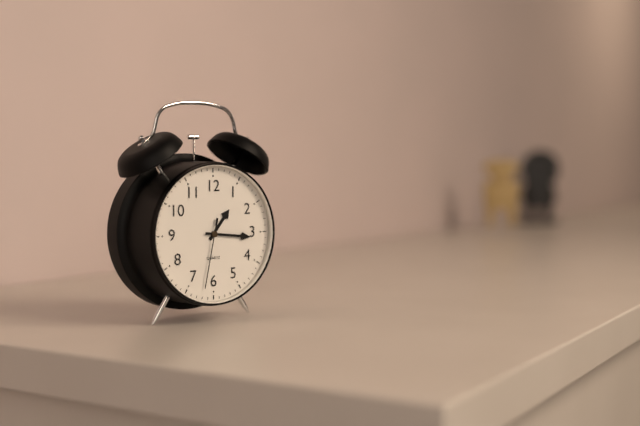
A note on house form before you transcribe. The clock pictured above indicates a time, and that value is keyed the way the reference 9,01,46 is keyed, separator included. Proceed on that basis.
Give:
1,16,32
